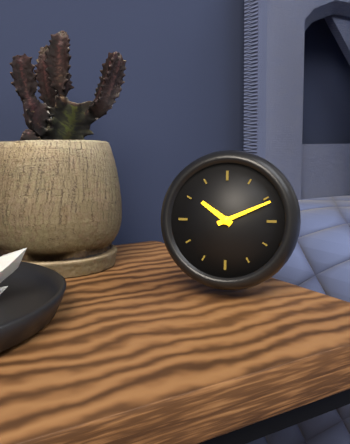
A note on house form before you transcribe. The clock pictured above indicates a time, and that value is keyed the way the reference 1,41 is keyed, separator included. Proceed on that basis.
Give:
10,11
